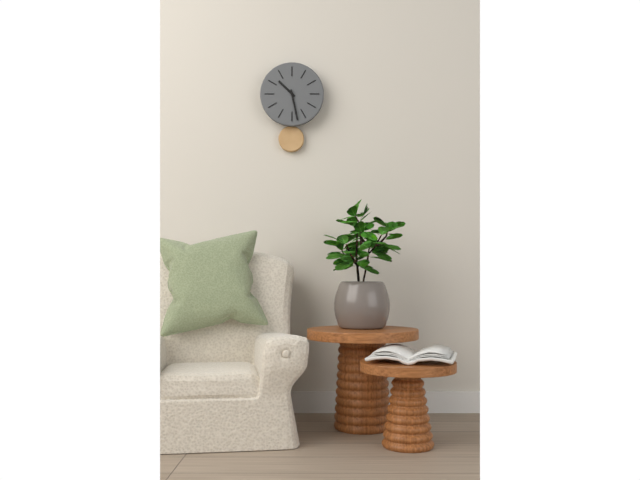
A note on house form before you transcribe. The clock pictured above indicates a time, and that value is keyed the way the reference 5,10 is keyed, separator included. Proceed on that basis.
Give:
10,28
